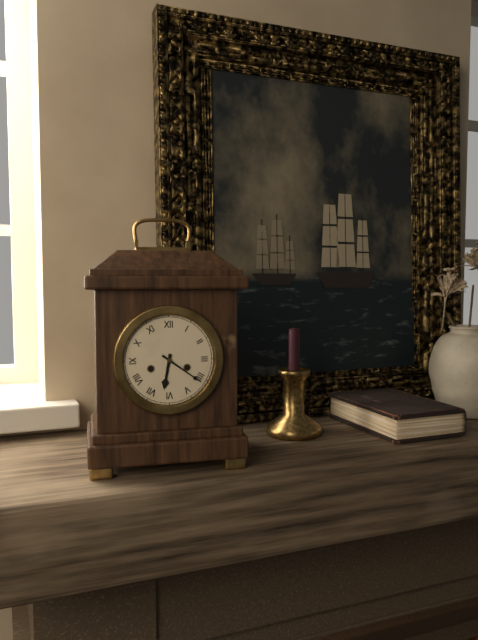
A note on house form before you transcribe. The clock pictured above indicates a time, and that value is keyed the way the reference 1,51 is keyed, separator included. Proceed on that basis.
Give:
6,21
